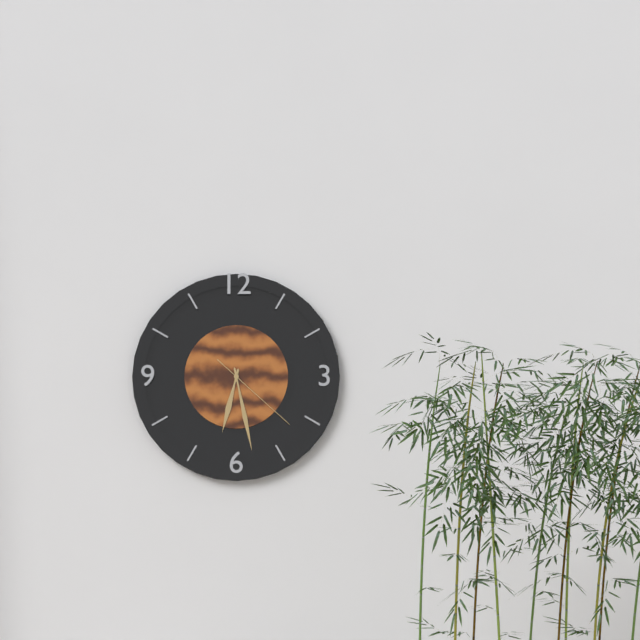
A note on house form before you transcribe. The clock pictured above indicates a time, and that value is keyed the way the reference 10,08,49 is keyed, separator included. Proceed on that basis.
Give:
6,28,22
